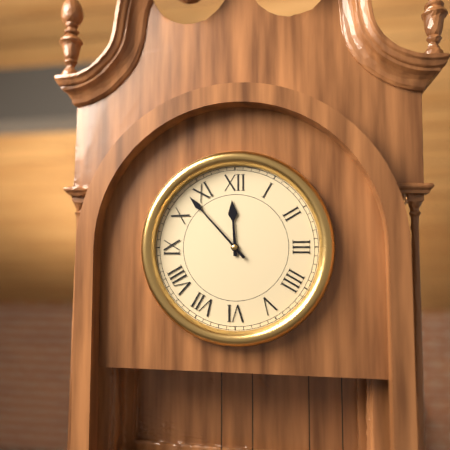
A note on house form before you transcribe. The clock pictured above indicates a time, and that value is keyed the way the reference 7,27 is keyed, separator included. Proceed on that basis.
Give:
11,53
